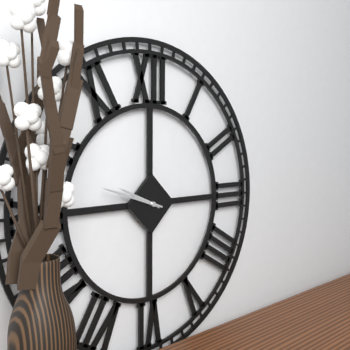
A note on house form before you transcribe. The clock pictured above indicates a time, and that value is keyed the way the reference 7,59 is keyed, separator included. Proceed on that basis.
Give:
9,48
